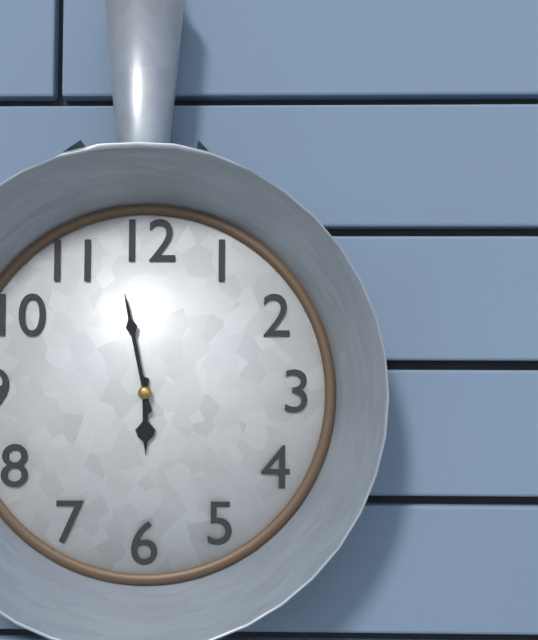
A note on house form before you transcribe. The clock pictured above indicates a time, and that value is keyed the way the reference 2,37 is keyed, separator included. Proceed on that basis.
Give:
5,58
